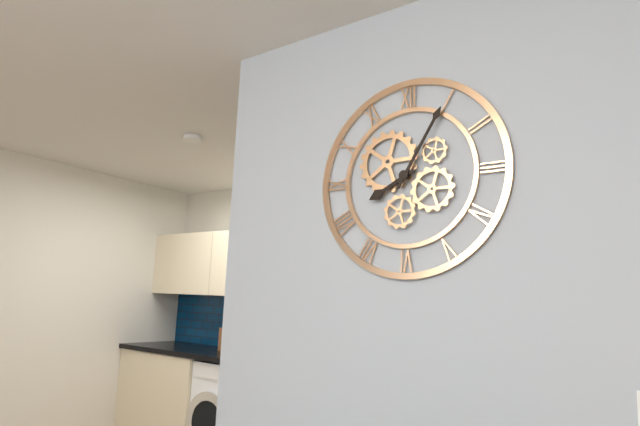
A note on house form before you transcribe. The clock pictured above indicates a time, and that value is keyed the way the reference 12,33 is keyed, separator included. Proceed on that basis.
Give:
8,05
